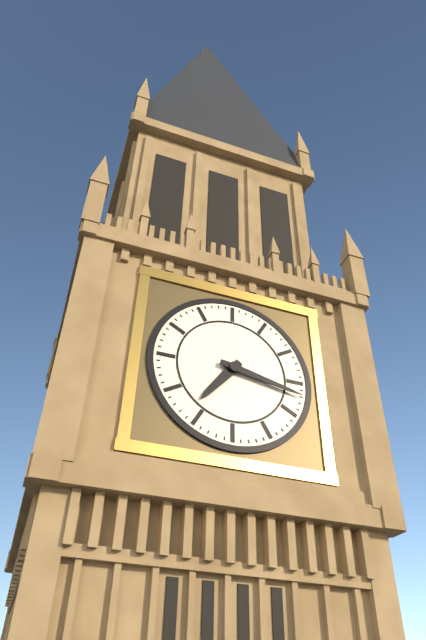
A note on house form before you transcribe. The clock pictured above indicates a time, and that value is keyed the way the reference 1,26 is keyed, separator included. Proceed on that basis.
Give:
7,17
